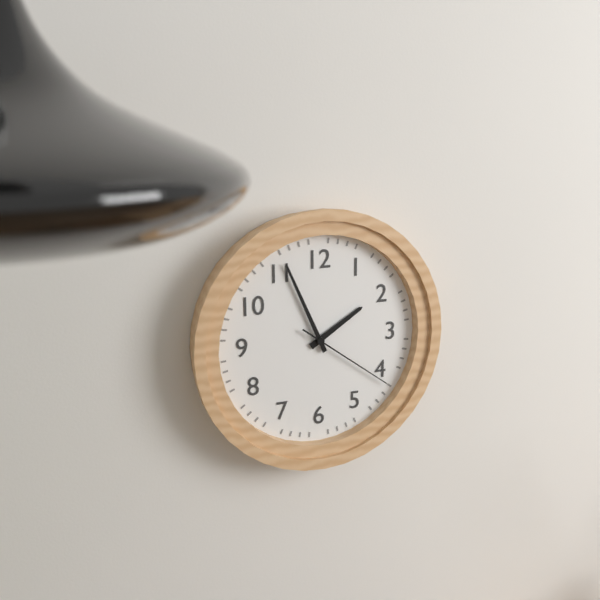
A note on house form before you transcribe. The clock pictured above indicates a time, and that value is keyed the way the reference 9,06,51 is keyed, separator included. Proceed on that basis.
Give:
1,56,21
